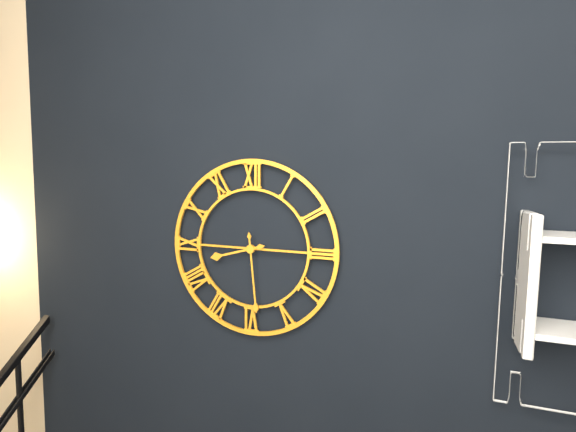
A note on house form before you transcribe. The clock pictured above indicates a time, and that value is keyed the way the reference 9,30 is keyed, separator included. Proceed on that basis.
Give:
8,29
